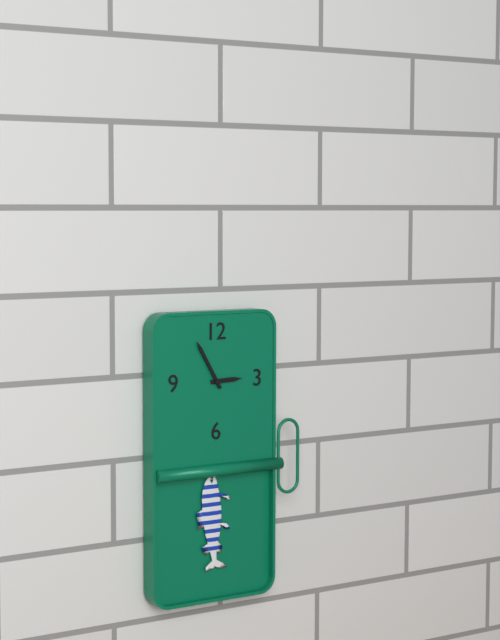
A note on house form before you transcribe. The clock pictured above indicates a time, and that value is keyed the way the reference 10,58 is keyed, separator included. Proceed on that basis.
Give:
2,55
